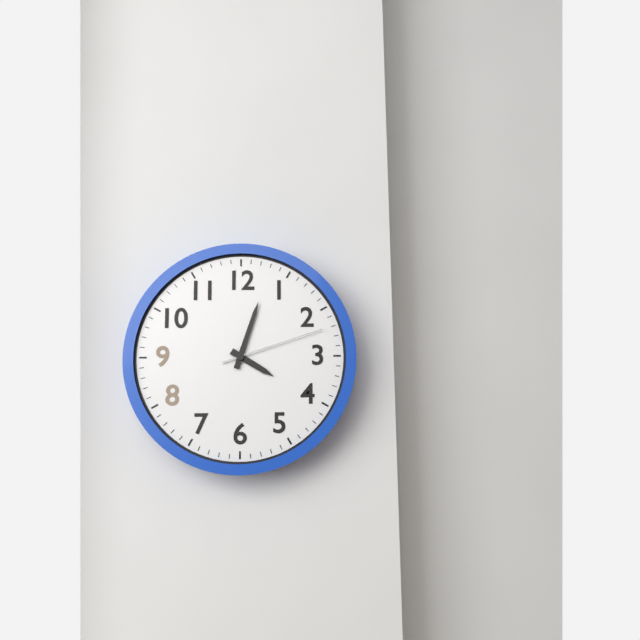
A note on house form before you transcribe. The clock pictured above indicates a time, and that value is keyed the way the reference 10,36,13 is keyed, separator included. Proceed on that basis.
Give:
4,03,12
